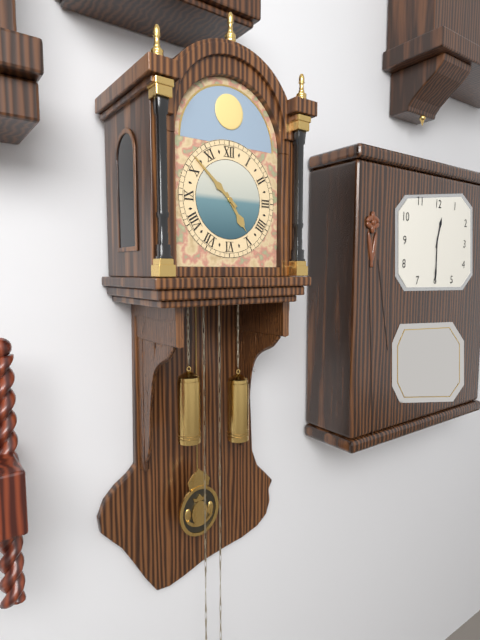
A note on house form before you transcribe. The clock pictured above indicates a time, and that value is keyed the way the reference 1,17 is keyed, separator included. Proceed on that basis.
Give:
4,52
